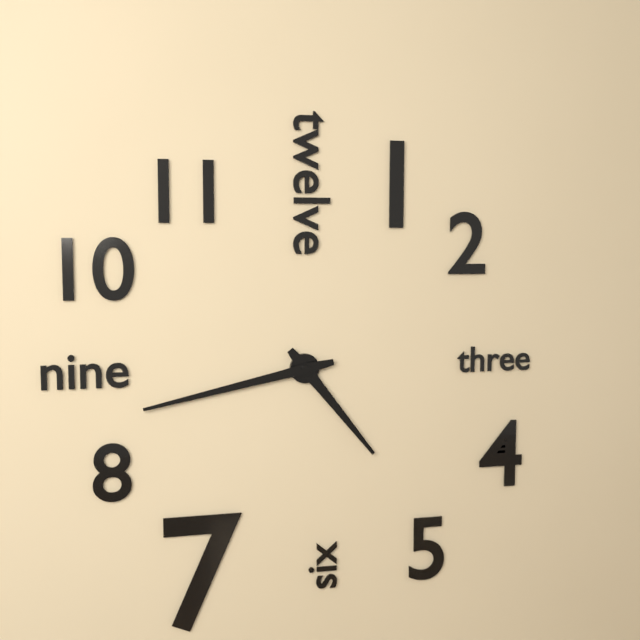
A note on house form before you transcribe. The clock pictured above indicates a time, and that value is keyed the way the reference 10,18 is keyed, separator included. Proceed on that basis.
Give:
4,43
